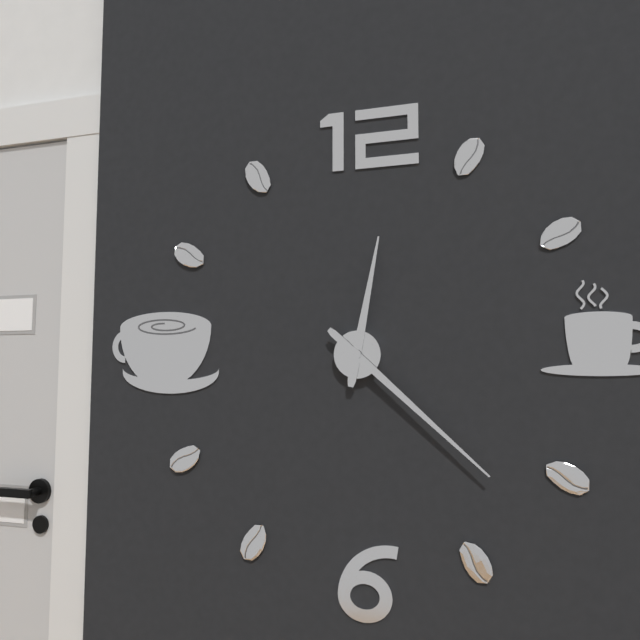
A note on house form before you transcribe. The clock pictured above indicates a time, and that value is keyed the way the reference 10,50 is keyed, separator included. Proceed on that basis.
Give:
12,22
